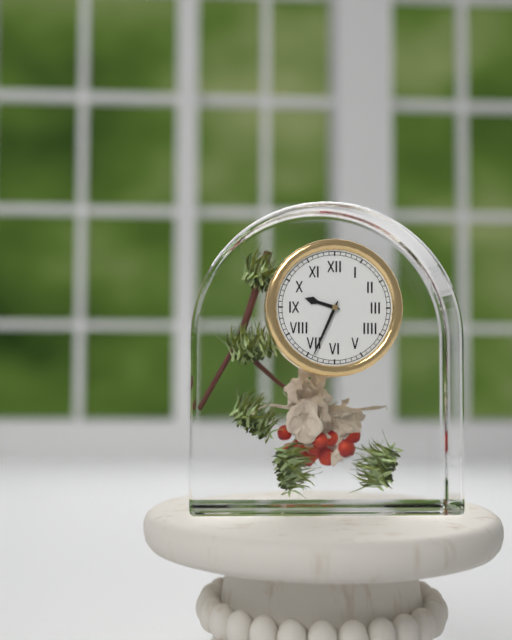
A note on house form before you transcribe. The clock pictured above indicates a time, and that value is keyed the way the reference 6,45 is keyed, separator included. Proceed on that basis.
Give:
9,34
